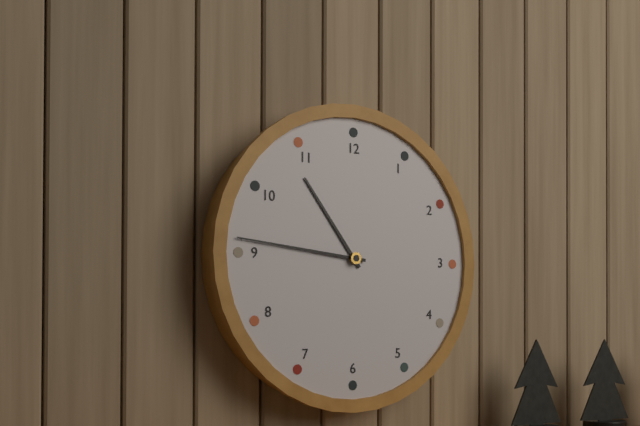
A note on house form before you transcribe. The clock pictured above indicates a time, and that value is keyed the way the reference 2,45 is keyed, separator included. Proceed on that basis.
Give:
10,46
